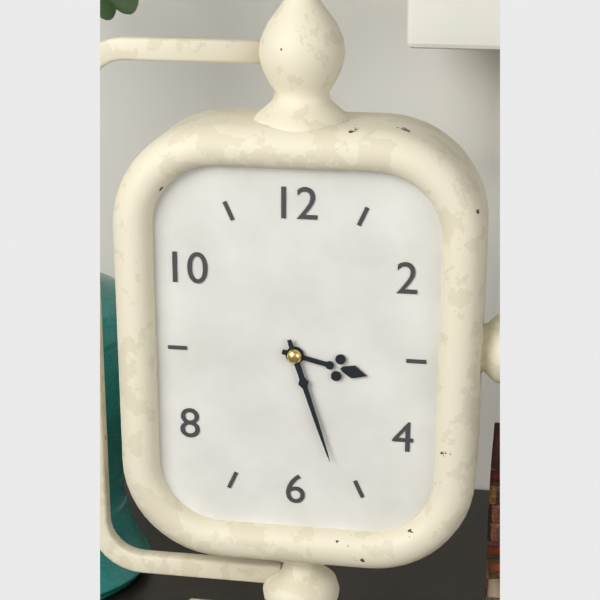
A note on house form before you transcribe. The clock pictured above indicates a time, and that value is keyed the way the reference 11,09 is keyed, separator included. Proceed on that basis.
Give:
3,27
